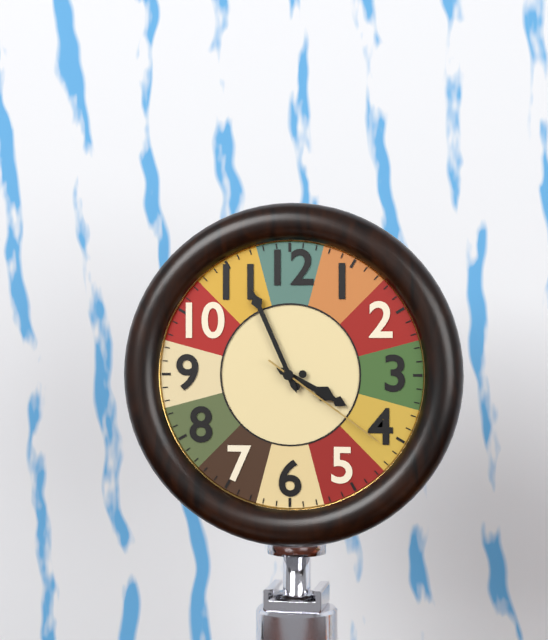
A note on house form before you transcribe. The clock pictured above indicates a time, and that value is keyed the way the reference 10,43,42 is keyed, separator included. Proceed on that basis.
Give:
3,56,21
